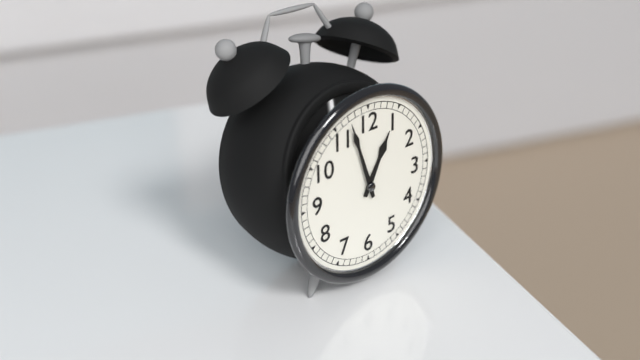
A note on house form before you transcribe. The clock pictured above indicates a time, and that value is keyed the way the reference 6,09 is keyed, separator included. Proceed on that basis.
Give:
12,57
